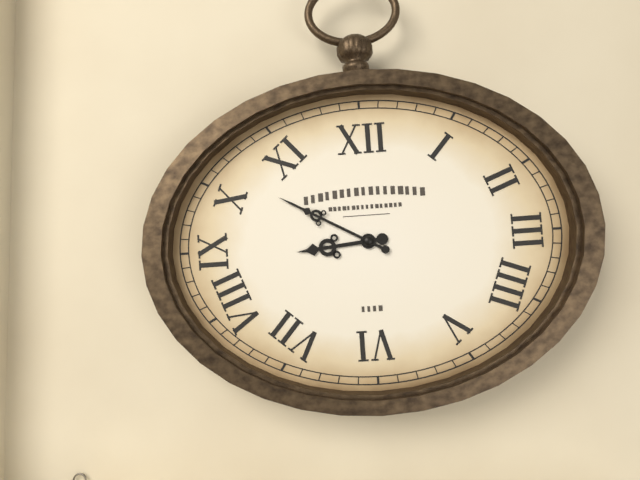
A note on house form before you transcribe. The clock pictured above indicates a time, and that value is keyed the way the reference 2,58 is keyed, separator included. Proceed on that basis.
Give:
8,50
